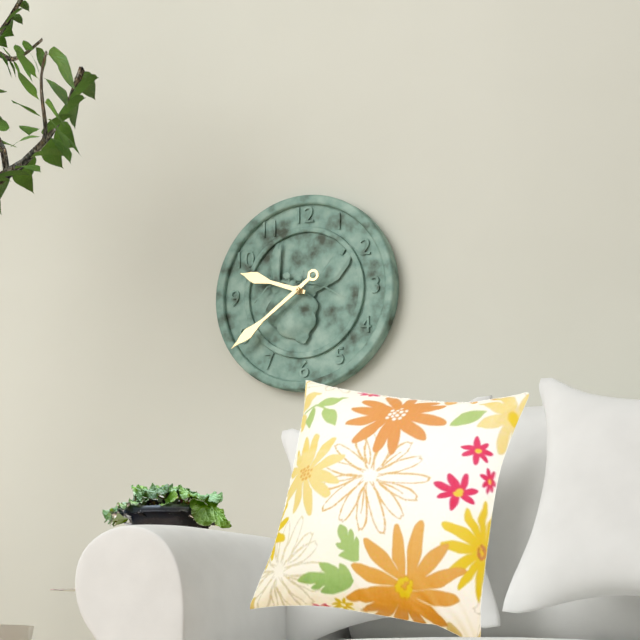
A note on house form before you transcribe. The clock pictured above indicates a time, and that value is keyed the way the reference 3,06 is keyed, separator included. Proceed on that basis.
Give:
9,39
